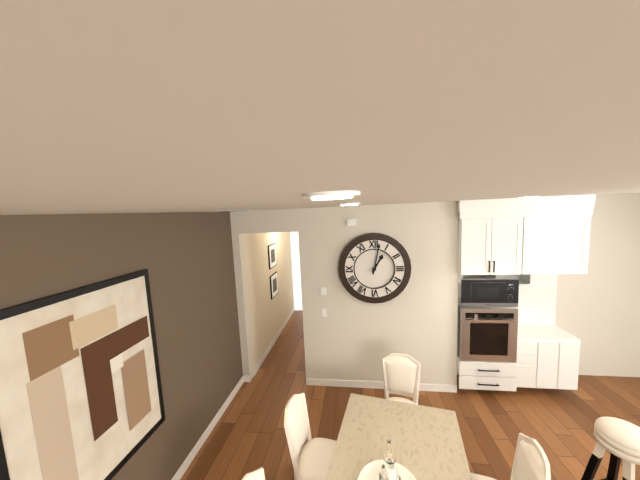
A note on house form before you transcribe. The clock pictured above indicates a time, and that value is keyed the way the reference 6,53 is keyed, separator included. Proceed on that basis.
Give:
1,02
